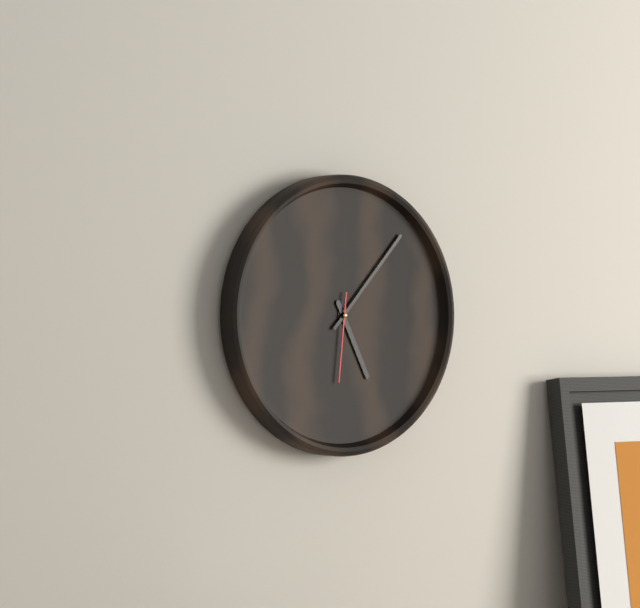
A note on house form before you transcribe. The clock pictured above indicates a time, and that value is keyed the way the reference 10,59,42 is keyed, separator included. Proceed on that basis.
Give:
5,07,31
